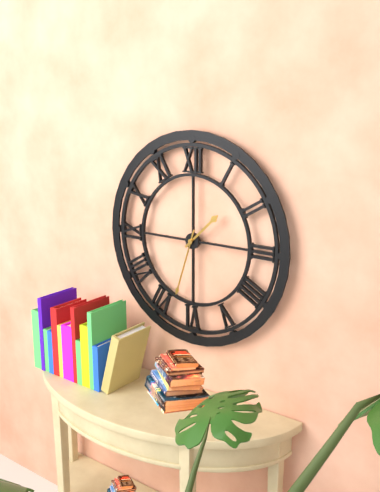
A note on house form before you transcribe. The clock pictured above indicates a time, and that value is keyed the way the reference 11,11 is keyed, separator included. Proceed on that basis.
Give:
1,33
